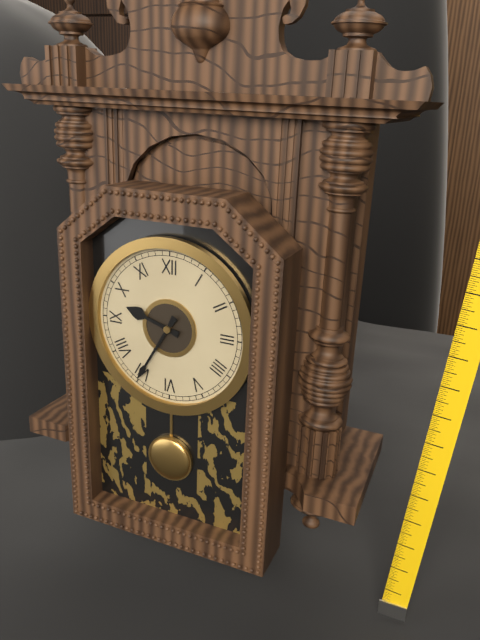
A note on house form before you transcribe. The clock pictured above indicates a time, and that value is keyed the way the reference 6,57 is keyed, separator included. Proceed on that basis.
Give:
9,35
